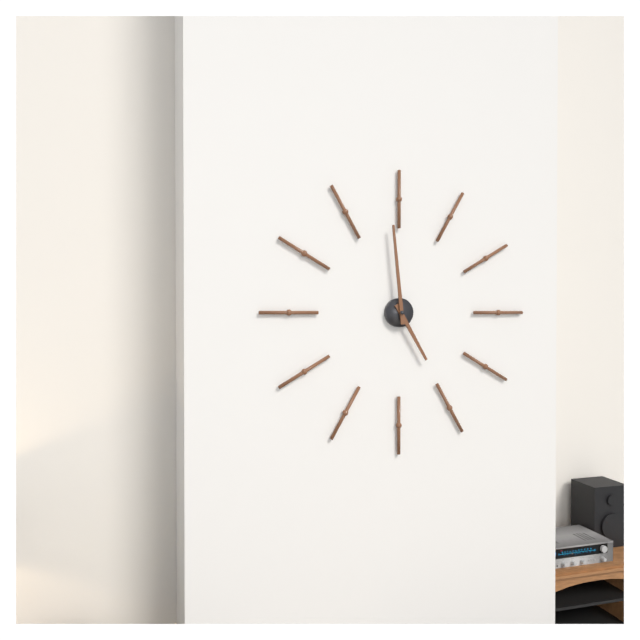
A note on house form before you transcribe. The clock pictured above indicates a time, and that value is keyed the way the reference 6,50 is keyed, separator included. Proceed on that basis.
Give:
4,59
